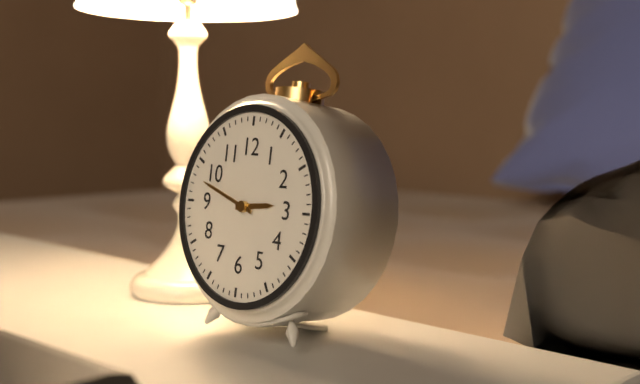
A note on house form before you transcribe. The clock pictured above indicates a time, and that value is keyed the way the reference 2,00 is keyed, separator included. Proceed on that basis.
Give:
2,48
